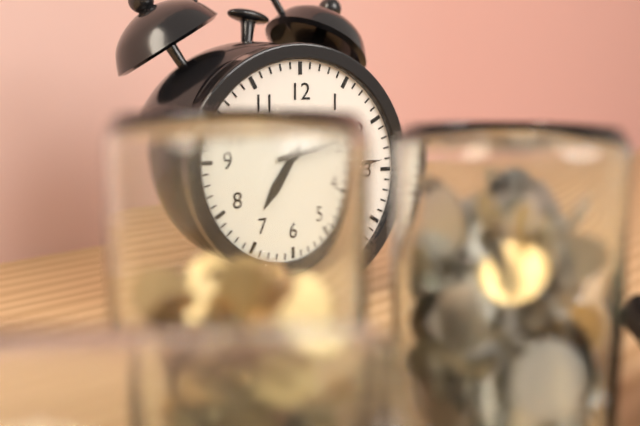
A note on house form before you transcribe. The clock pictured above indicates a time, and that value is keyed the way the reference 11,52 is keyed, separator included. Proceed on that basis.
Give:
7,14
